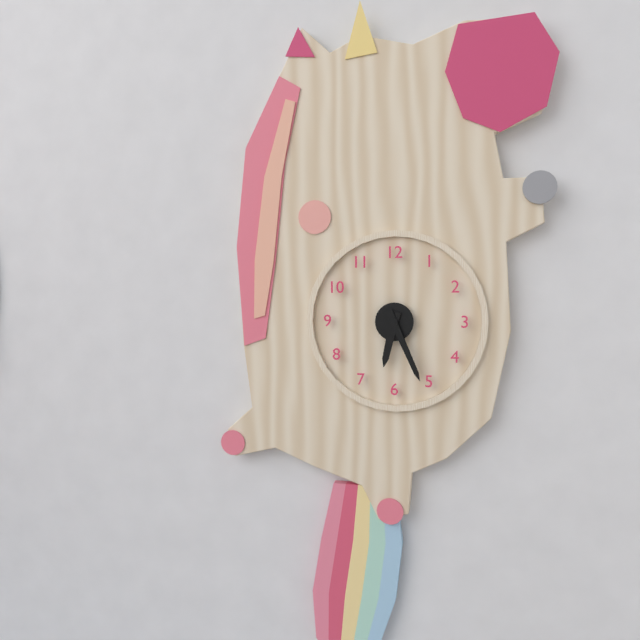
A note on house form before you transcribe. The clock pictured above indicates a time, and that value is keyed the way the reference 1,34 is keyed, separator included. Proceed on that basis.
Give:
6,26
